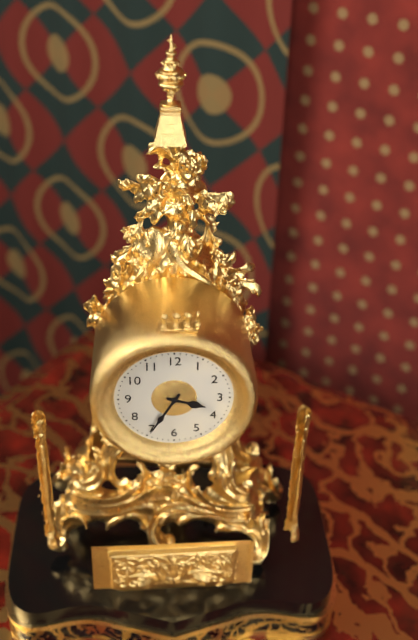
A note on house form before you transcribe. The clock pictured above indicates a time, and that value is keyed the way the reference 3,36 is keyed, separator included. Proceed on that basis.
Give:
3,35
